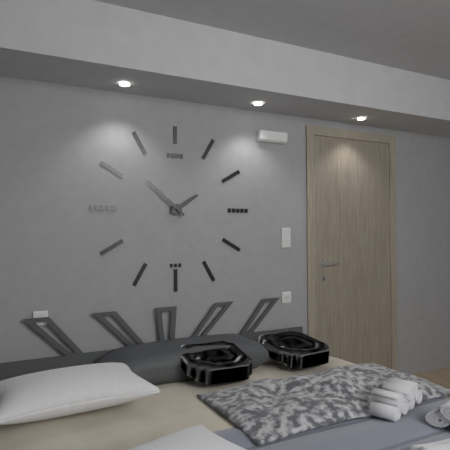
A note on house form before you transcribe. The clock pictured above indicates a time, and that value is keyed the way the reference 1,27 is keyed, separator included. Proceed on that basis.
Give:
1,52
